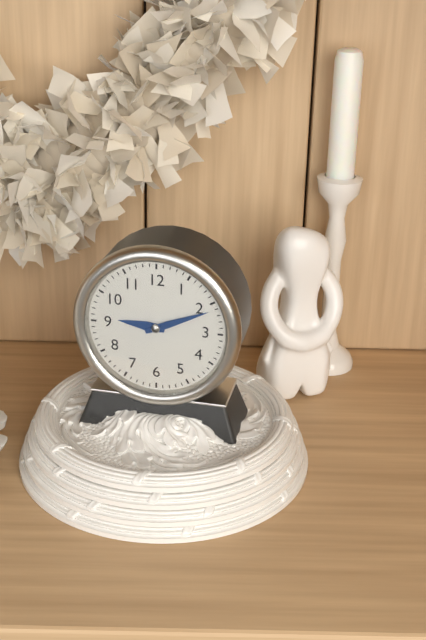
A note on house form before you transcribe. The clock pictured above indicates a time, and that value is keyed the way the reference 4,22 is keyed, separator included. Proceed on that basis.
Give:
9,11
